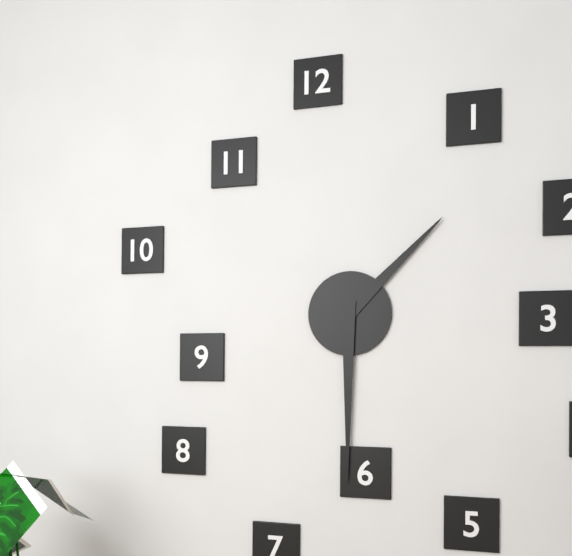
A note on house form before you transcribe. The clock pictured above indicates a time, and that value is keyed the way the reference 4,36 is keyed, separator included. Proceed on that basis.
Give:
1,30
